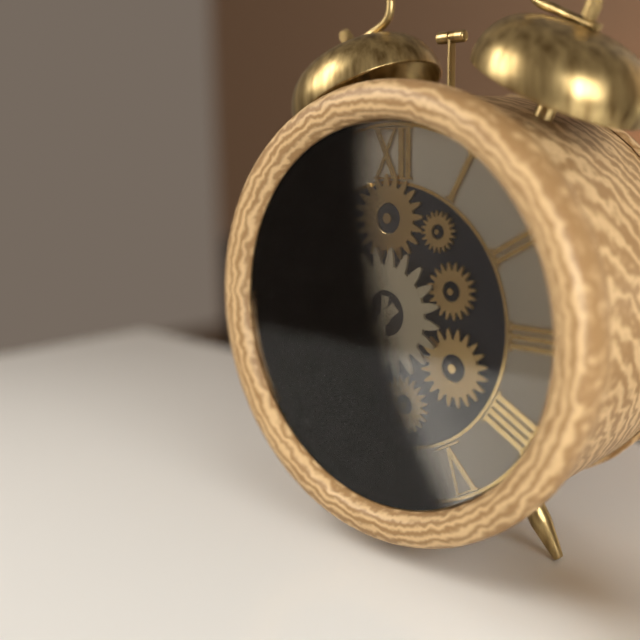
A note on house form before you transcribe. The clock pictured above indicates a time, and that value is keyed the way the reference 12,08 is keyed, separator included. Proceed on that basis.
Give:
7,31
